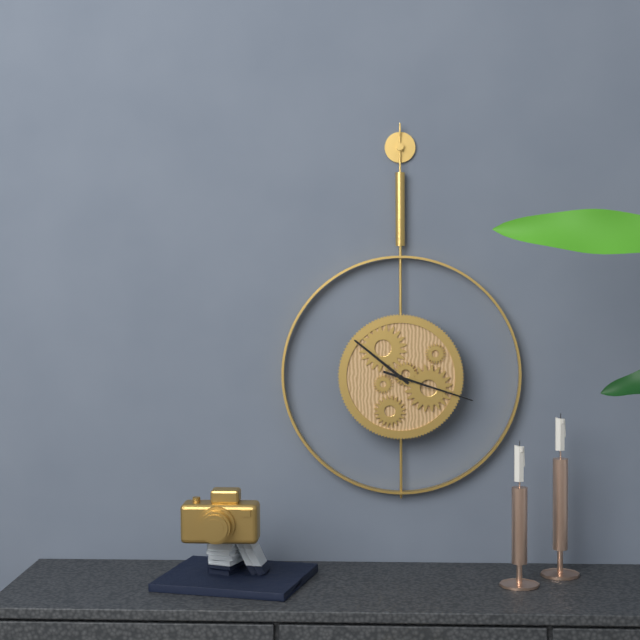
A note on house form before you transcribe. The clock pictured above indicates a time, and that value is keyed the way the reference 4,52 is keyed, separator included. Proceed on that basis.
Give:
10,18
